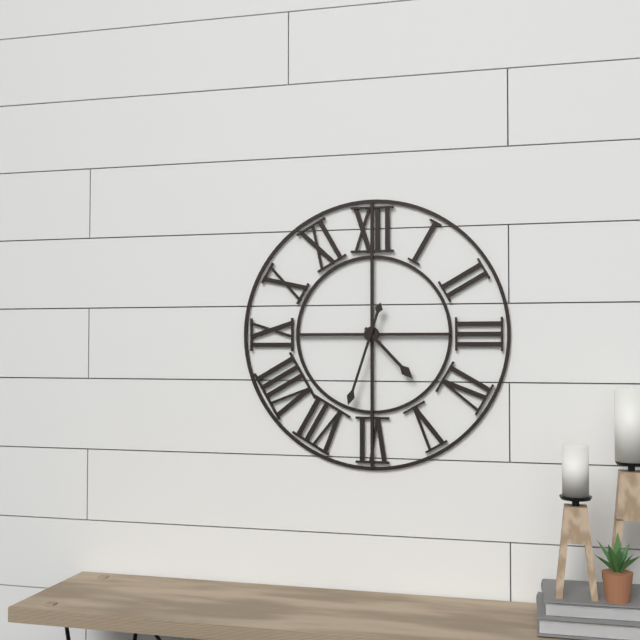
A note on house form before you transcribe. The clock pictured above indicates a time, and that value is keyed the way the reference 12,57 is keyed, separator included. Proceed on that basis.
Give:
4,33
